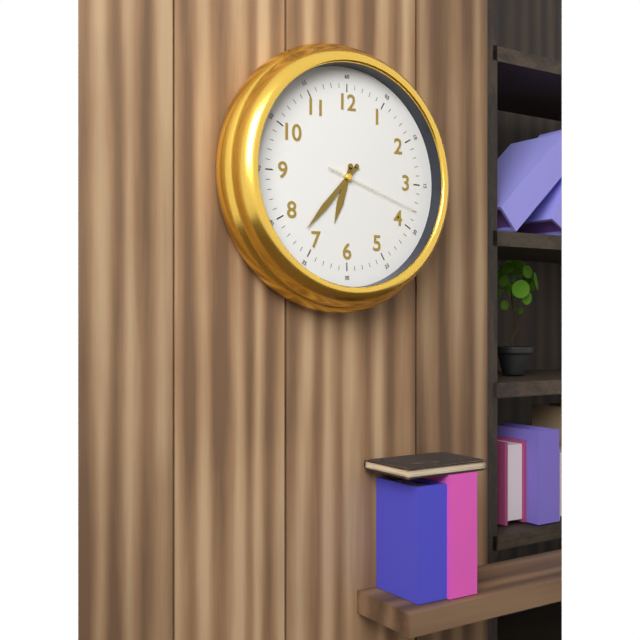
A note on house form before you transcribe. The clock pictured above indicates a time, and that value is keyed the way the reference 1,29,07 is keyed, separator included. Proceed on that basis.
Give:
6,37,18
